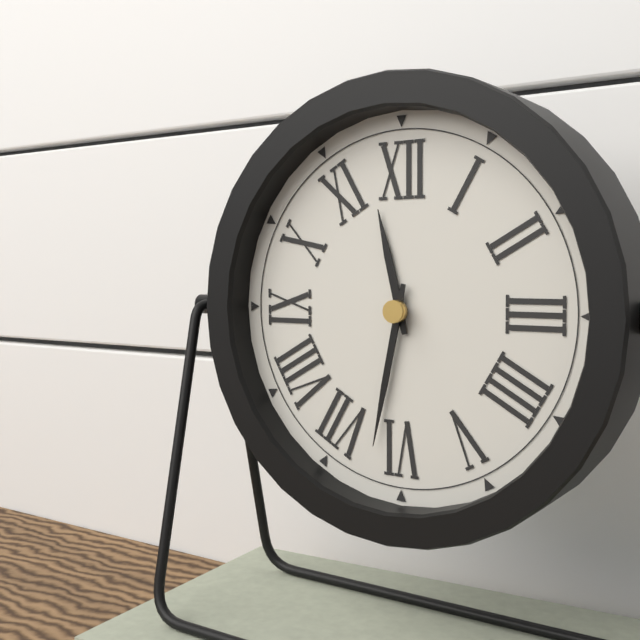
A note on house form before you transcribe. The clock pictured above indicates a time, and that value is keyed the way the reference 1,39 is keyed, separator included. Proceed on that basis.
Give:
11,32
